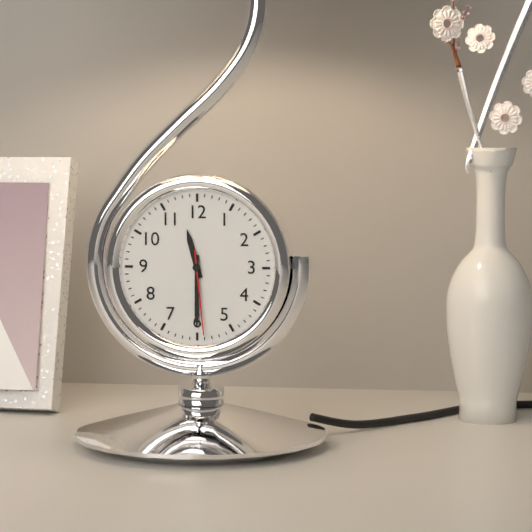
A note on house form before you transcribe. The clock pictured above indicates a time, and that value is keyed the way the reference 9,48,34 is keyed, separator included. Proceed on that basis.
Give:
11,30,29
